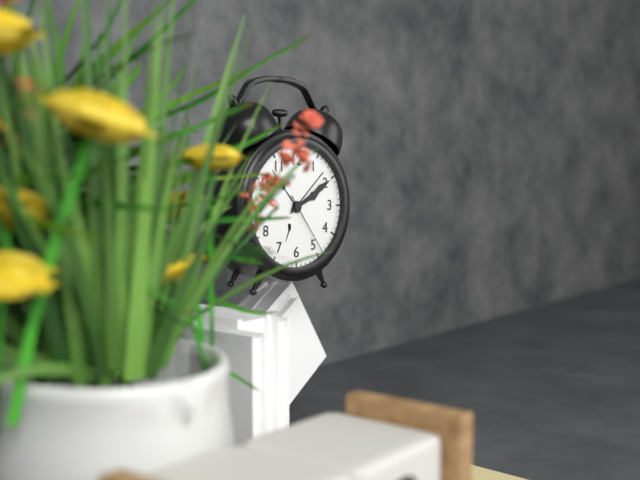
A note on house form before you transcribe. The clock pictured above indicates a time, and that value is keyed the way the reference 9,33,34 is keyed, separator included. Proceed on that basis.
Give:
2,10,24
